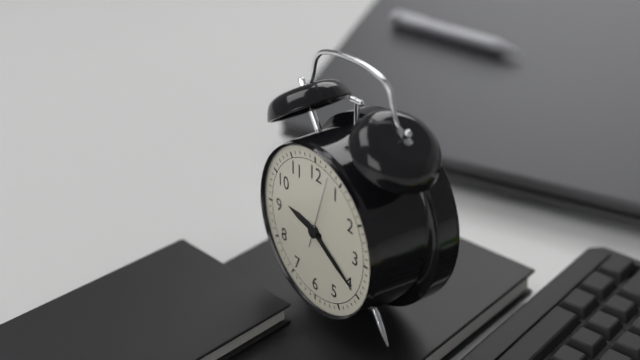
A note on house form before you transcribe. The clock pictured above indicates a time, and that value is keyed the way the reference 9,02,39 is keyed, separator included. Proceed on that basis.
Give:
9,20,03
